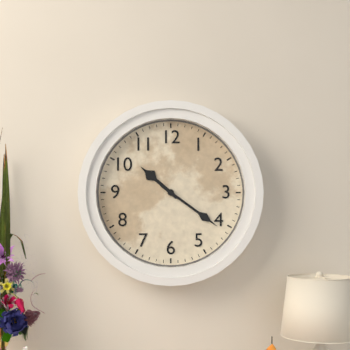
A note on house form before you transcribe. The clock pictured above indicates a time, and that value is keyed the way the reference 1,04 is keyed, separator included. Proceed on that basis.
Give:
10,21
